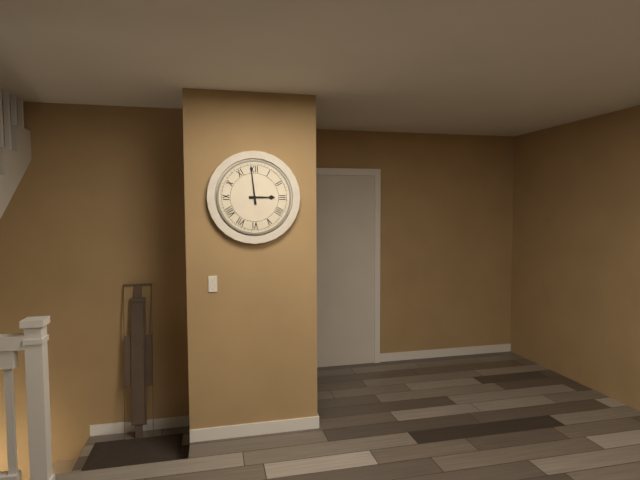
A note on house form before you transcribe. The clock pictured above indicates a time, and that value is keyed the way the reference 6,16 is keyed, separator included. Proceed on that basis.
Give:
2,59
